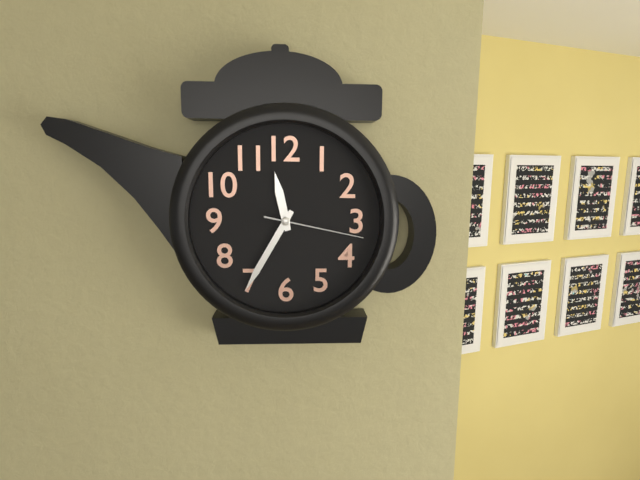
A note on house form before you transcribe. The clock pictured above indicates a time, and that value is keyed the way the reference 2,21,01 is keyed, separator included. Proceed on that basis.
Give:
11,35,17
